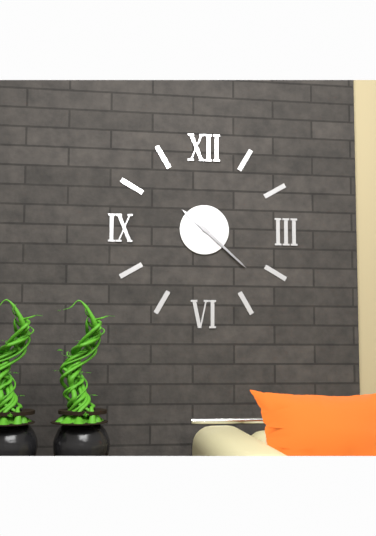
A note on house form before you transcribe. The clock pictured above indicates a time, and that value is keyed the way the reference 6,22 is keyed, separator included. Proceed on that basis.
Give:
10,22
